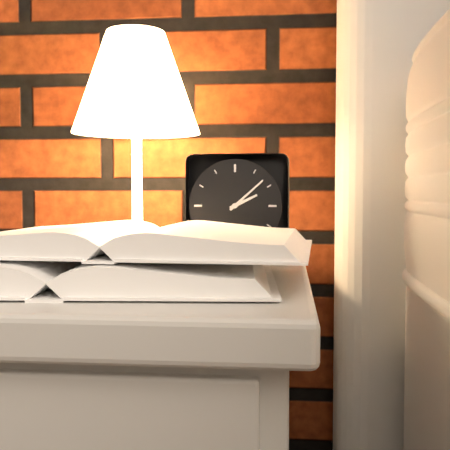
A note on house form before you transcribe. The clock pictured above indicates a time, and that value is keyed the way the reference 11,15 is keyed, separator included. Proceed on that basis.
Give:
2,08
